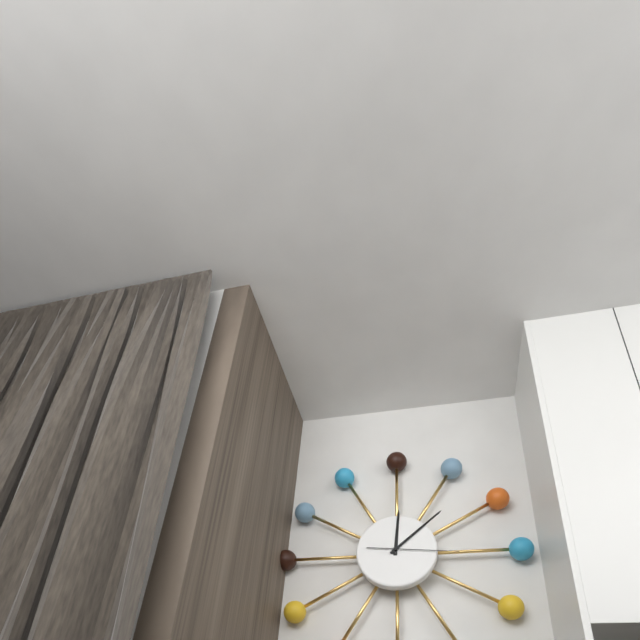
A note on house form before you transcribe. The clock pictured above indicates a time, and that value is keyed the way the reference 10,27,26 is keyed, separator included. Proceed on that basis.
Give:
12,08,16
